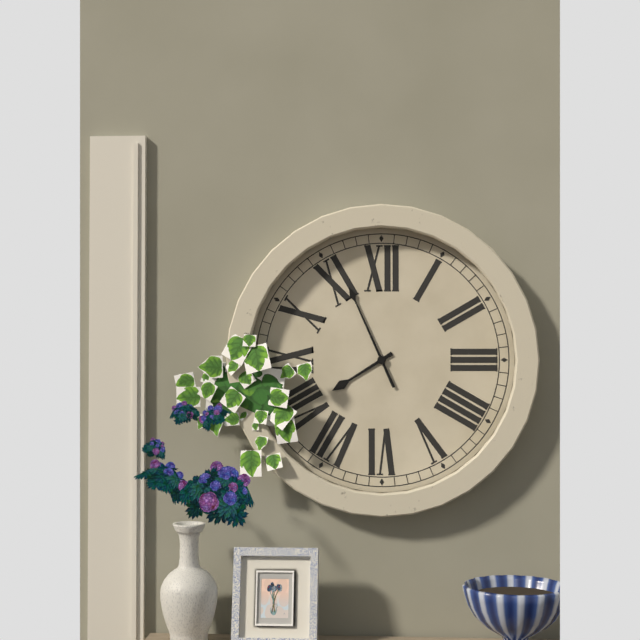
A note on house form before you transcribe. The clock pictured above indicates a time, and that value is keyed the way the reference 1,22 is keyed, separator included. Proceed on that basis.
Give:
7,56
